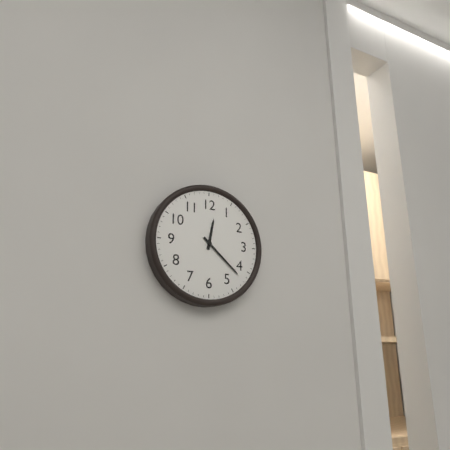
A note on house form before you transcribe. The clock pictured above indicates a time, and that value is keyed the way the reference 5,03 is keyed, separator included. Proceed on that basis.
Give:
12,22
